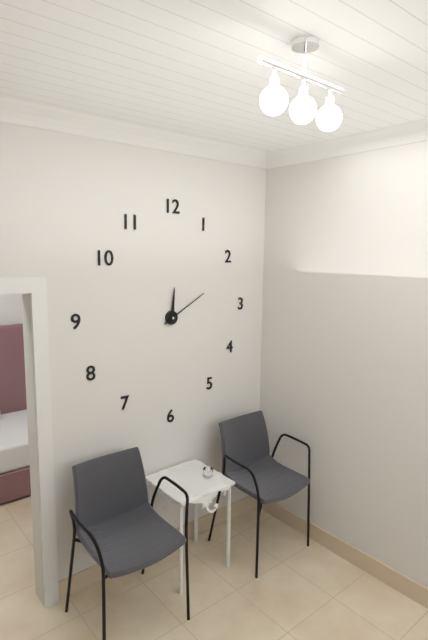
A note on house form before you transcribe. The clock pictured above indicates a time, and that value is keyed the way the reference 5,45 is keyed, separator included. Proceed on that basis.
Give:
12,10
